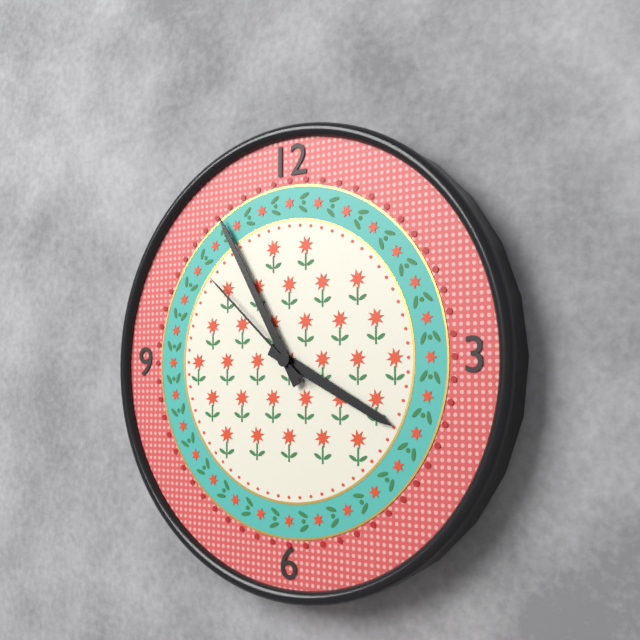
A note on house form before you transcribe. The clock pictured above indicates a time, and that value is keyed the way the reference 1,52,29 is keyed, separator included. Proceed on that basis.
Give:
3,55,52
